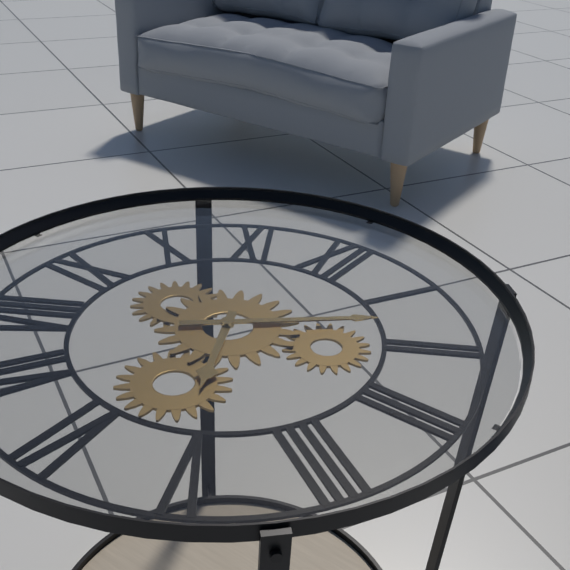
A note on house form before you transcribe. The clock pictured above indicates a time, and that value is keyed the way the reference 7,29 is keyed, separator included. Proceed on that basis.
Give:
5,08
